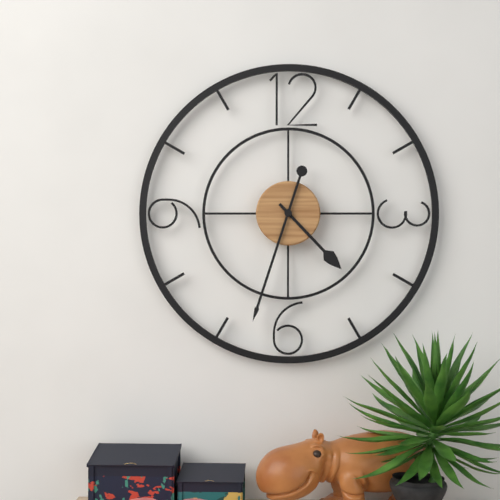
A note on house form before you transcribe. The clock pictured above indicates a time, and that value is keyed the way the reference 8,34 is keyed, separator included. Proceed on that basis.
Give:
4,33
